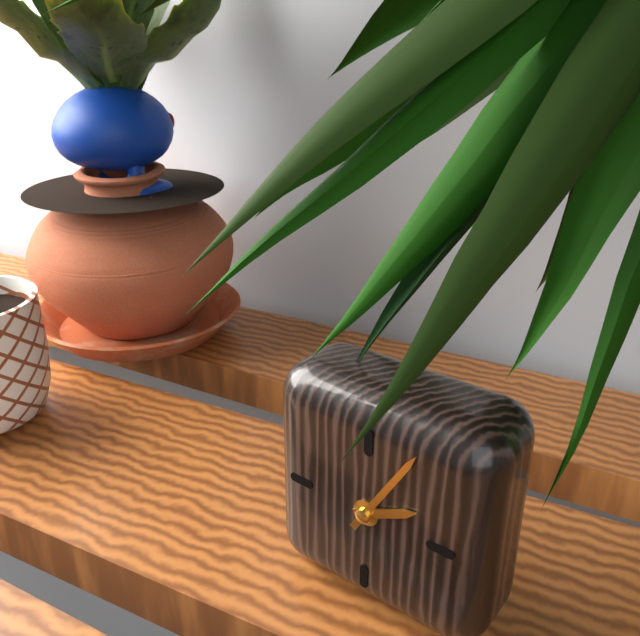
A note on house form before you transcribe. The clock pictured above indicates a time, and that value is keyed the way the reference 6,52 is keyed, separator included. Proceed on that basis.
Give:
2,05
